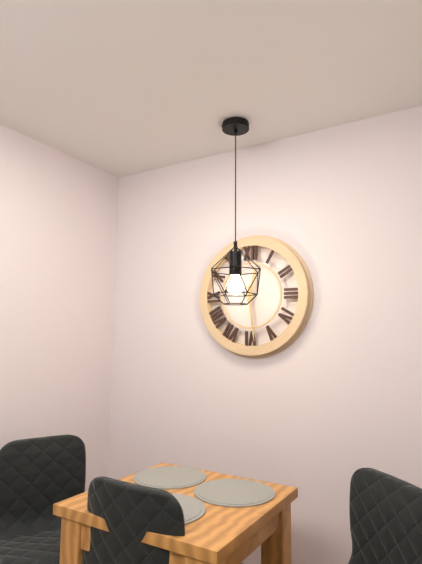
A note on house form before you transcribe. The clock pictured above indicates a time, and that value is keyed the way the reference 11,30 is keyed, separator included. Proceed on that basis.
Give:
12,29
